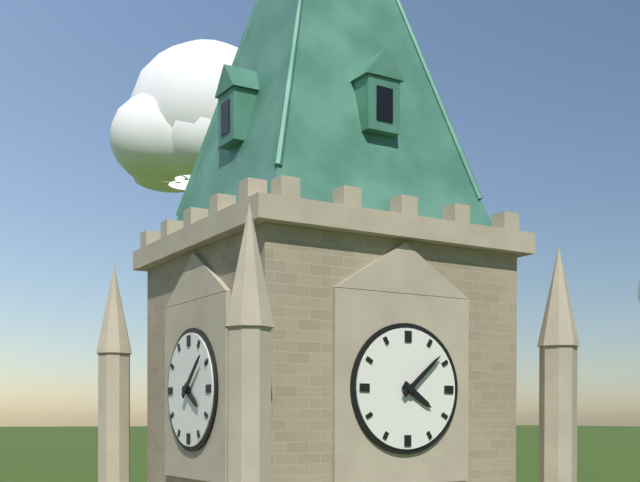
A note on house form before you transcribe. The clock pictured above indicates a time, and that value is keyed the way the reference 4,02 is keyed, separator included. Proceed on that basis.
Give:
4,08
